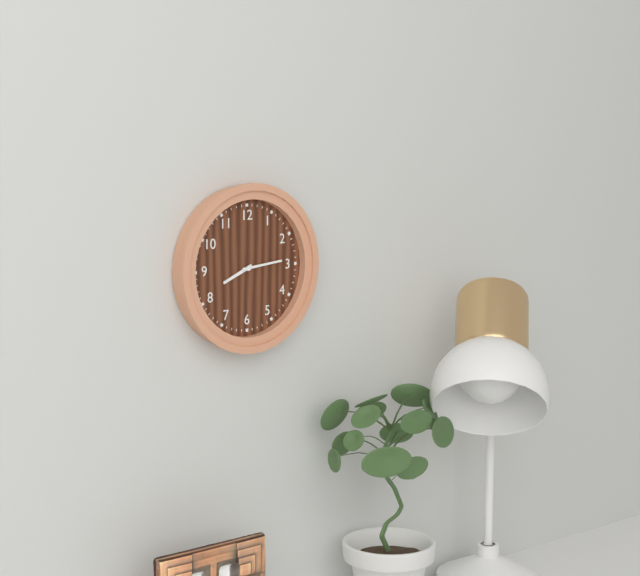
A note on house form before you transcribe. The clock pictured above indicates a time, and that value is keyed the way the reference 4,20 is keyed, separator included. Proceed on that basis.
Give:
8,14
